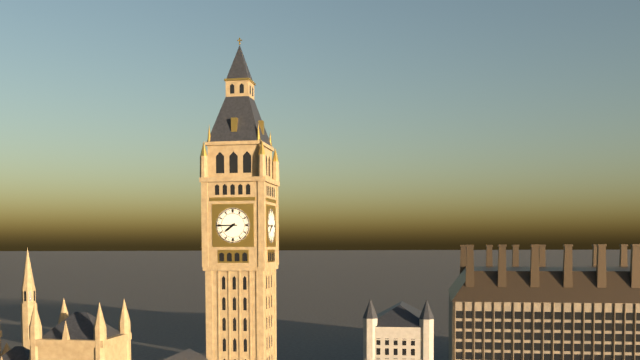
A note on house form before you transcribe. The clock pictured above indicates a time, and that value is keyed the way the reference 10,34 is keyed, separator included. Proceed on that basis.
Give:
7,45
